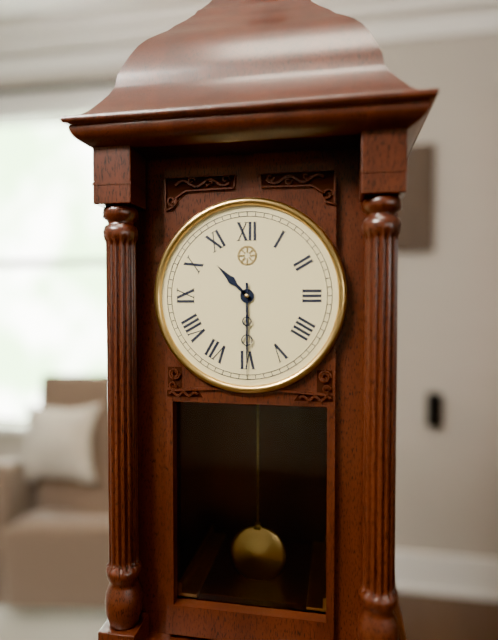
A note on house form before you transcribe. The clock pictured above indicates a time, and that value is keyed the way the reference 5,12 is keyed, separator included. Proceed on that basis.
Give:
10,30
